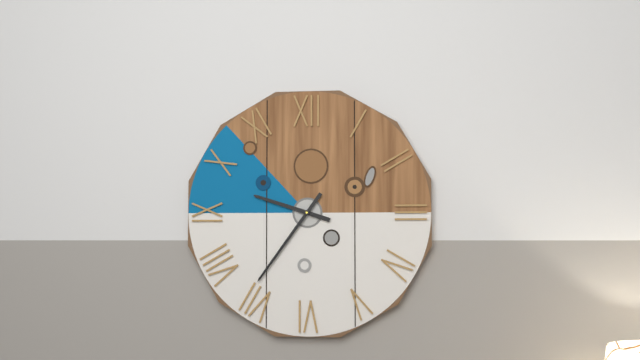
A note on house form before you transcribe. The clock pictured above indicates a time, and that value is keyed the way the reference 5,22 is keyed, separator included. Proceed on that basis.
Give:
9,36
